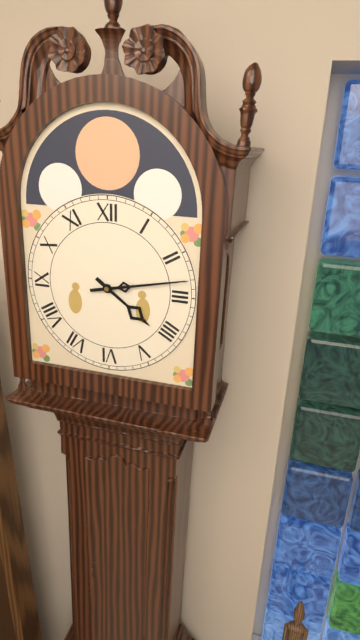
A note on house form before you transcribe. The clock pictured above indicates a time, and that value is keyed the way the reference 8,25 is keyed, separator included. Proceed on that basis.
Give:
4,13
